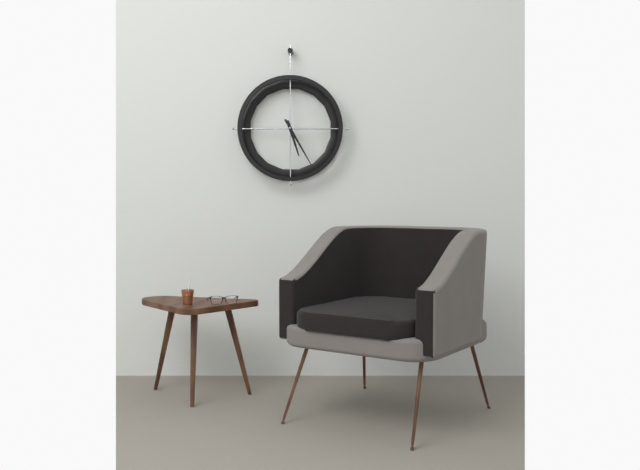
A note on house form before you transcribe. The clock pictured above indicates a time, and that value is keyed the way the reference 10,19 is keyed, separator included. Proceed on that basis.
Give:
5,25
